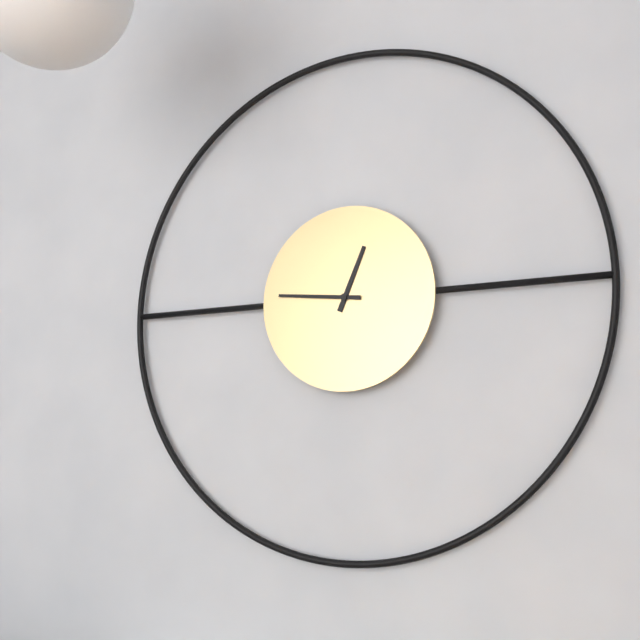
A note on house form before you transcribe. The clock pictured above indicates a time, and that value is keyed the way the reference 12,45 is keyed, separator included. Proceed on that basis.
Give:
12,46
